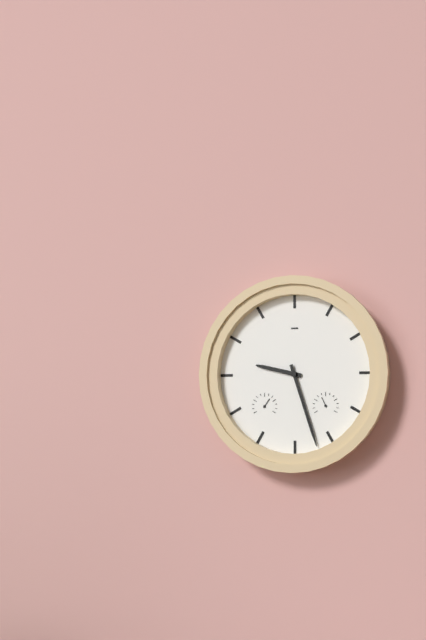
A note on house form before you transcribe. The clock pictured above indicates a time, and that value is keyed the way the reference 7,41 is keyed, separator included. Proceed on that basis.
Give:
9,27
